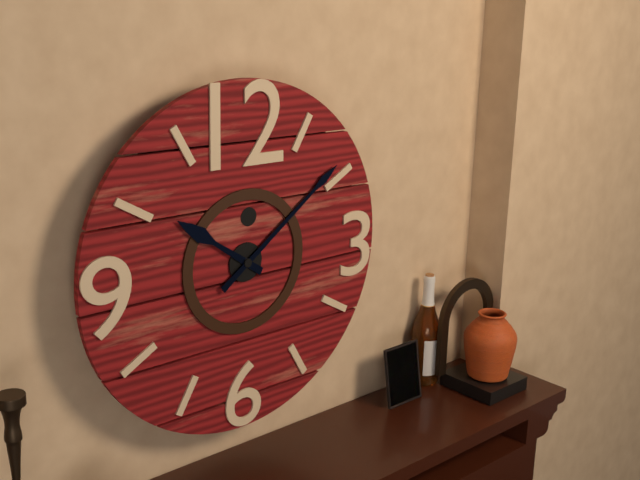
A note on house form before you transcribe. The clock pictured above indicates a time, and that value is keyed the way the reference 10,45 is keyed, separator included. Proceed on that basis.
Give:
10,09
